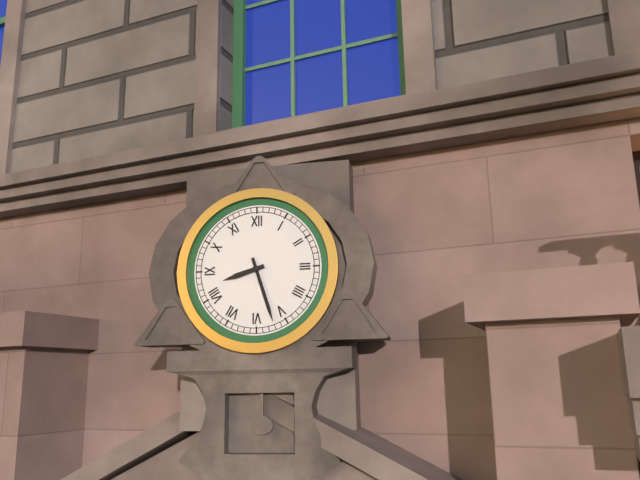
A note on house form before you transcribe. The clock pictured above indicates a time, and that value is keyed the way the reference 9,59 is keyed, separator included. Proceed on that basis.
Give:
8,27
